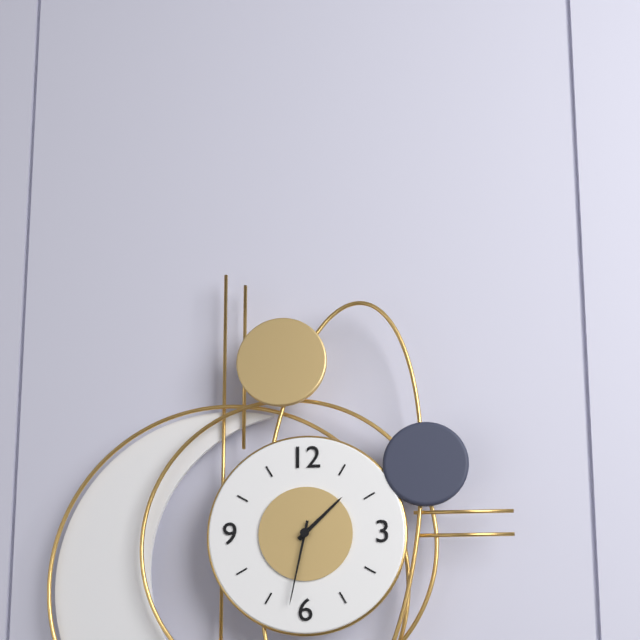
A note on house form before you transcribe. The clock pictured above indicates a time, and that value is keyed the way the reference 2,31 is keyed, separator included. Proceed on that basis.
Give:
1,32
